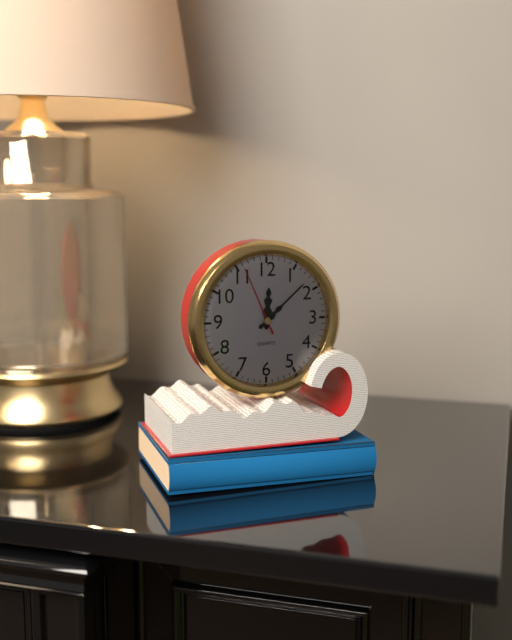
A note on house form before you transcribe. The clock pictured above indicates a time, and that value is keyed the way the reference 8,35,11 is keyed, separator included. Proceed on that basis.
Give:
12,08,56
